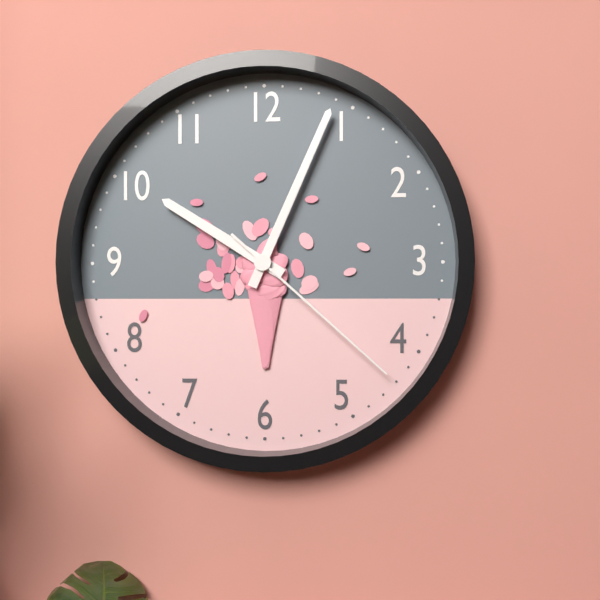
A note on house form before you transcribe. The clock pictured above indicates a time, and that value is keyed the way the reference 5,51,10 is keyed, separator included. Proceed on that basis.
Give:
10,04,22
